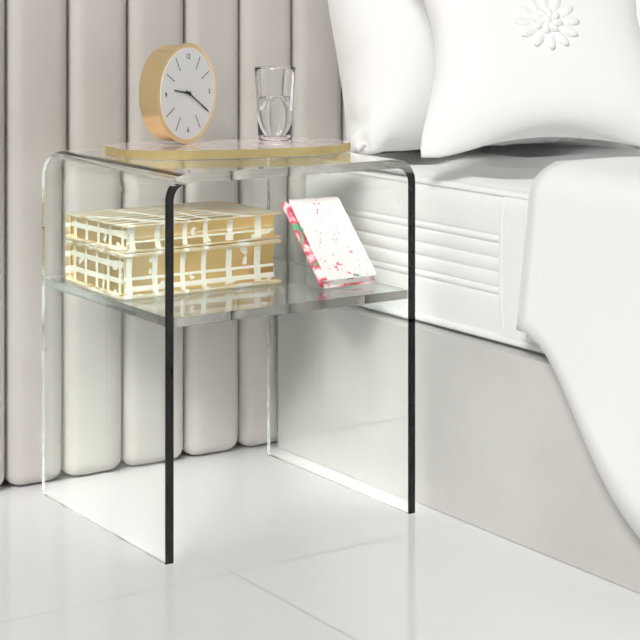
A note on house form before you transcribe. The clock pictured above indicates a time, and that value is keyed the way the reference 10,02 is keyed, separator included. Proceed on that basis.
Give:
9,20
